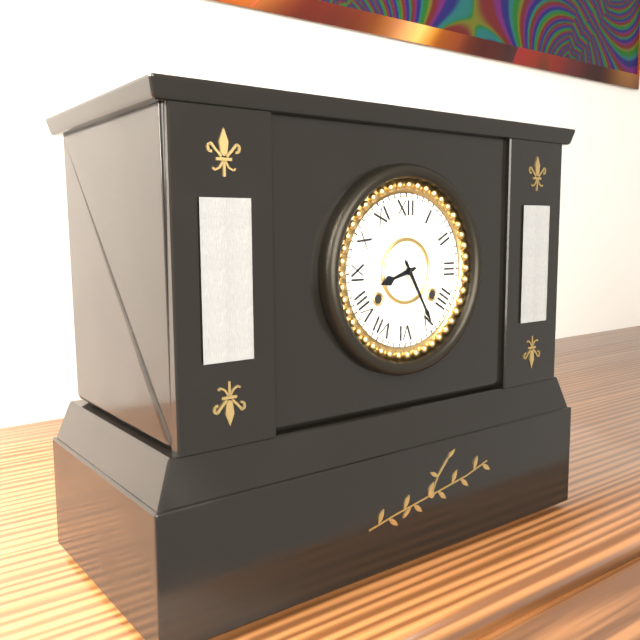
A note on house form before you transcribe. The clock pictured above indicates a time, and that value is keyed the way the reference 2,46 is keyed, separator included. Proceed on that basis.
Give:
8,25
